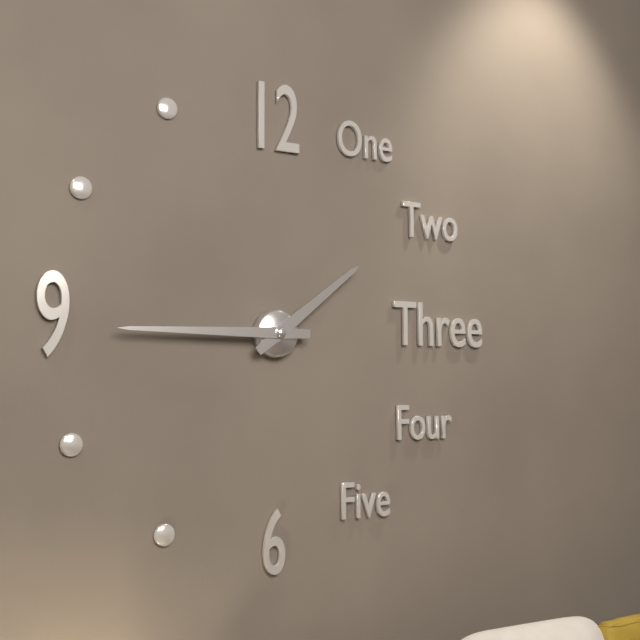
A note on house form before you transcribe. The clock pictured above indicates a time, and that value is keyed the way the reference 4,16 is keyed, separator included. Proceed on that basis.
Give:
1,45
